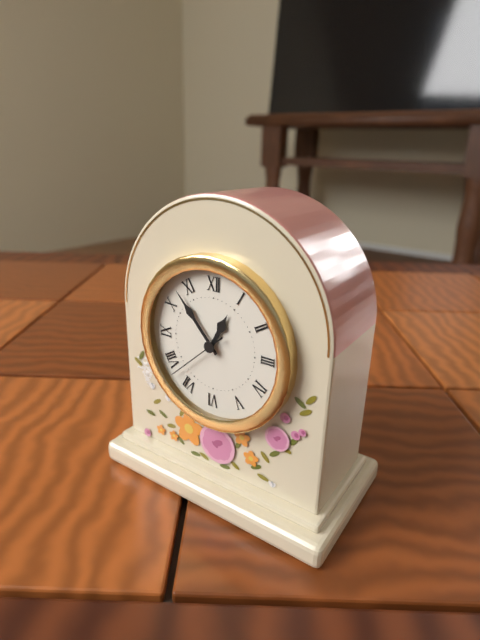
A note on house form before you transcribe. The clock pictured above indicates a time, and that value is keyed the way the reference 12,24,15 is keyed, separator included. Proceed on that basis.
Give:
12,53,38
